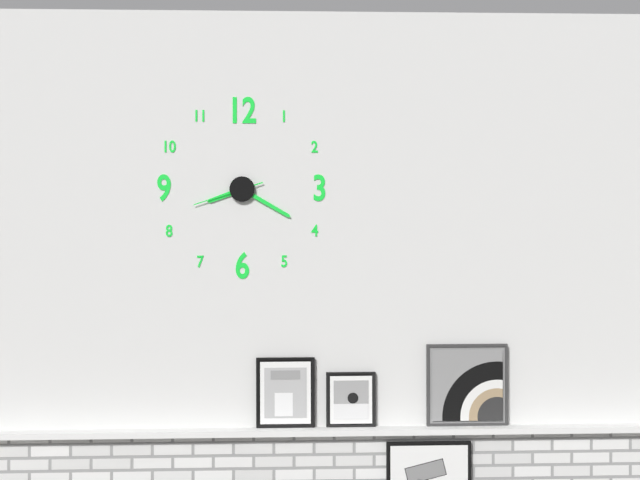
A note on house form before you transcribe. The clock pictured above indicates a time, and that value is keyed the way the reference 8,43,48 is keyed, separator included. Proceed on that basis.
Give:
8,20,42
